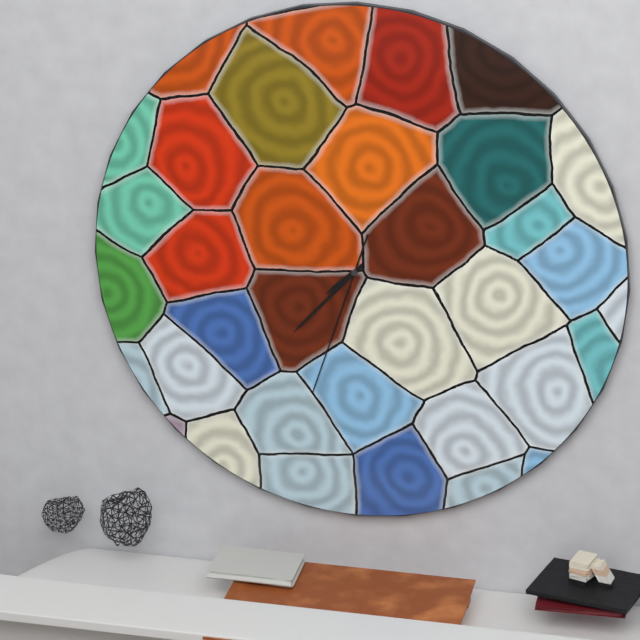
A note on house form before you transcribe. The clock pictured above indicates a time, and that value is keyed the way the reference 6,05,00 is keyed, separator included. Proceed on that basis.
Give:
7,37,33
